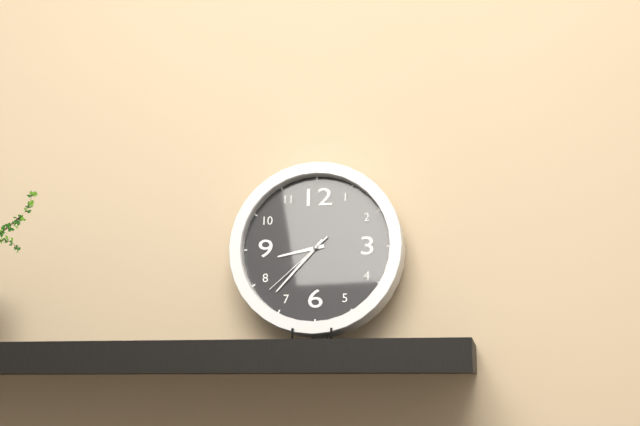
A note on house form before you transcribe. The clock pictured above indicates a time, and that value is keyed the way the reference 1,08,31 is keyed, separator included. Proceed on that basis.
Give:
8,37,38
